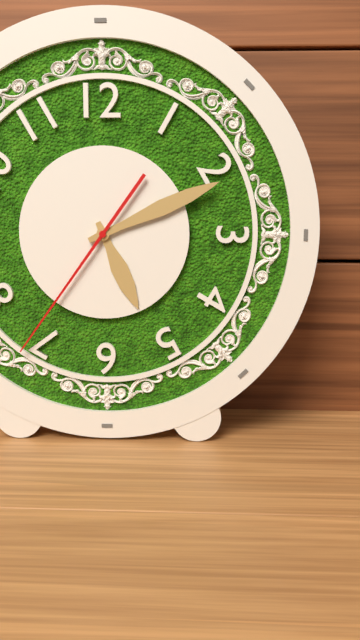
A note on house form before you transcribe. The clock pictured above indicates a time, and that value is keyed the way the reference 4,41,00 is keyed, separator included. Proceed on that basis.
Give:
5,11,36
